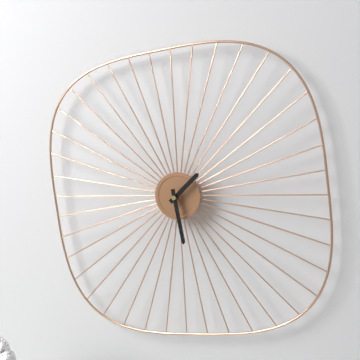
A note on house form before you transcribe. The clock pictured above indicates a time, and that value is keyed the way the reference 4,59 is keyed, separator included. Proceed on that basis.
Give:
1,28
